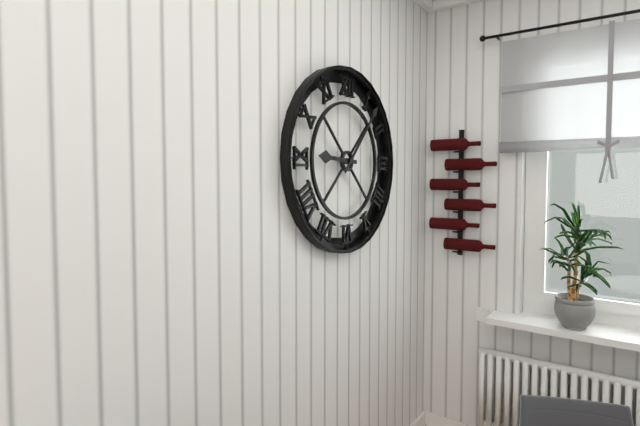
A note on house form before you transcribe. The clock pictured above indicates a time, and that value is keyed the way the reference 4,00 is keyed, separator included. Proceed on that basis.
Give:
9,07
